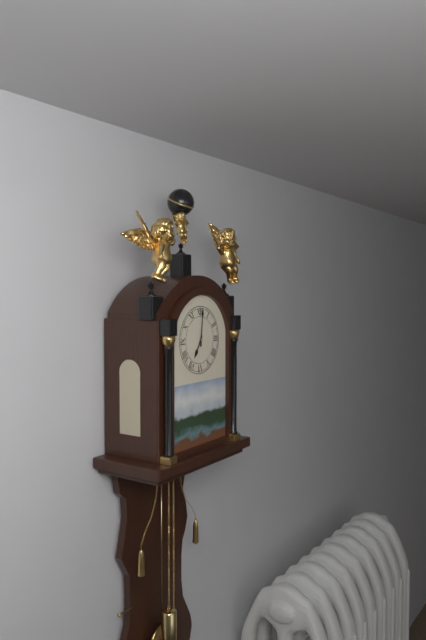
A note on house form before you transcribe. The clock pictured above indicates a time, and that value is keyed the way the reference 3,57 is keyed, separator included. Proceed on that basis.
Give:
7,01
